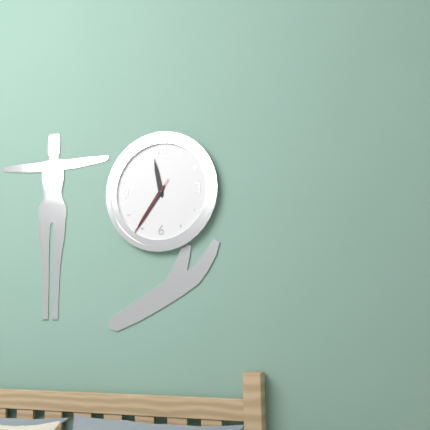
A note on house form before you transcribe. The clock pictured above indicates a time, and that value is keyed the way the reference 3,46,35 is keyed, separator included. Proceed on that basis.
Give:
11,36,36
